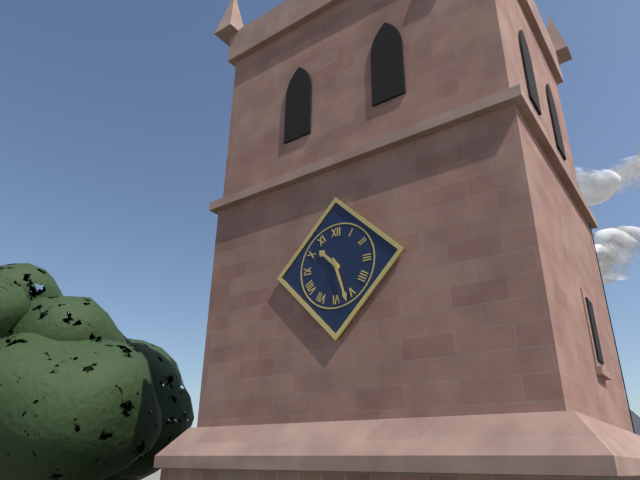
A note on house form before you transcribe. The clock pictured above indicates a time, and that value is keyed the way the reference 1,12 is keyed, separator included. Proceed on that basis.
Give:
10,27
